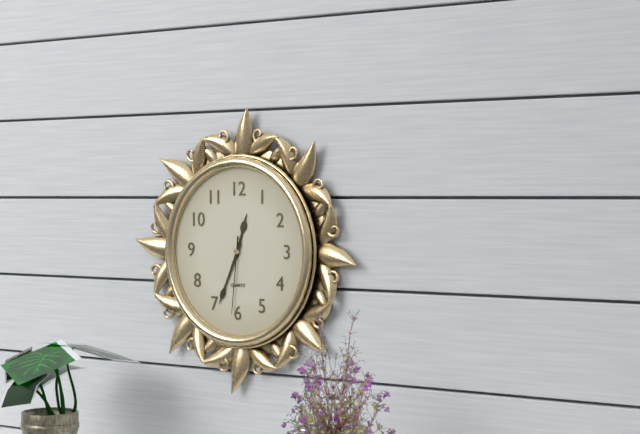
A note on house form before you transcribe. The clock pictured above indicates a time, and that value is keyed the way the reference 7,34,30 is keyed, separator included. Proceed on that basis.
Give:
12,34,31
